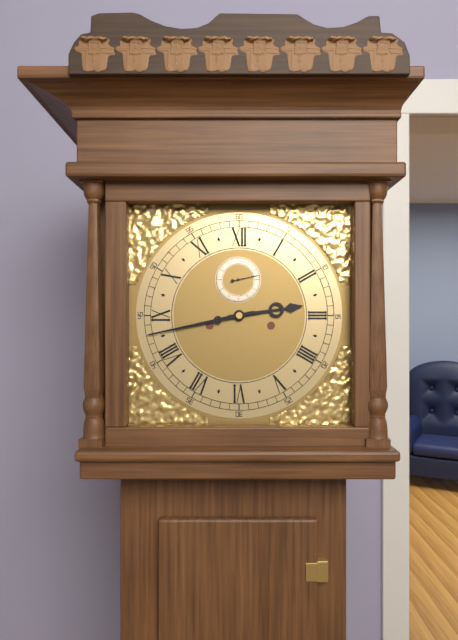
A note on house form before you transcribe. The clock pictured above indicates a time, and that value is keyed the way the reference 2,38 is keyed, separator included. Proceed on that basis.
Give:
2,43
